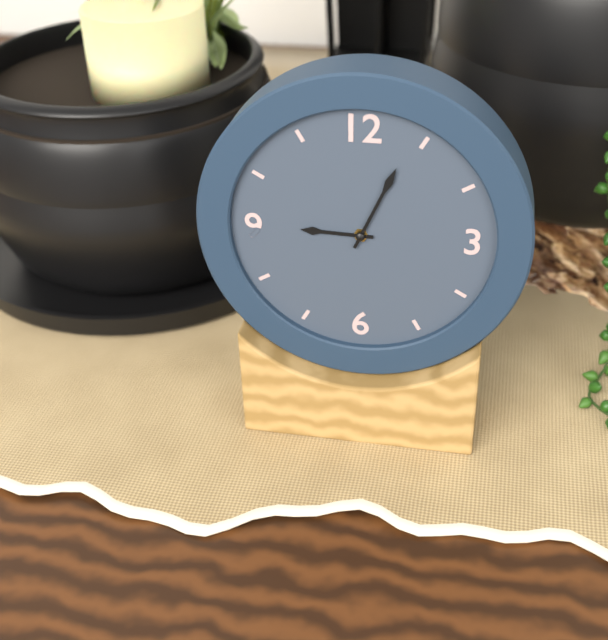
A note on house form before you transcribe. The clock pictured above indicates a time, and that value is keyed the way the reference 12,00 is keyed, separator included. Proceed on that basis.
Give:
9,04
